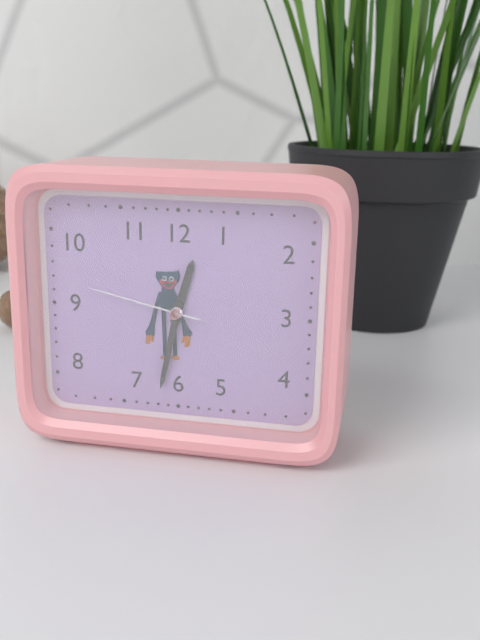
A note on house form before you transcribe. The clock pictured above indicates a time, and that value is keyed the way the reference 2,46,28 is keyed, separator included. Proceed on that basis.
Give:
12,32,47
